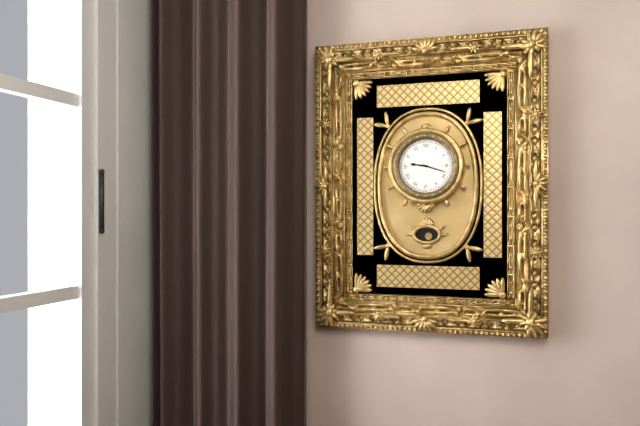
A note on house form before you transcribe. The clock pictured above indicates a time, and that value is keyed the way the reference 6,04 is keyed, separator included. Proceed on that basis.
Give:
9,18
